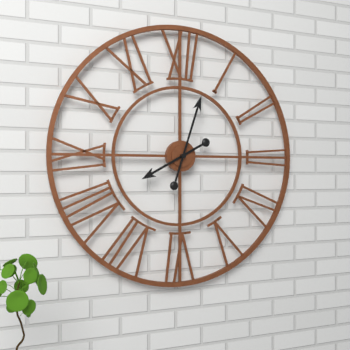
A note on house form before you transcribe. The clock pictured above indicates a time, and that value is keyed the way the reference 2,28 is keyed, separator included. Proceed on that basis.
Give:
8,03
